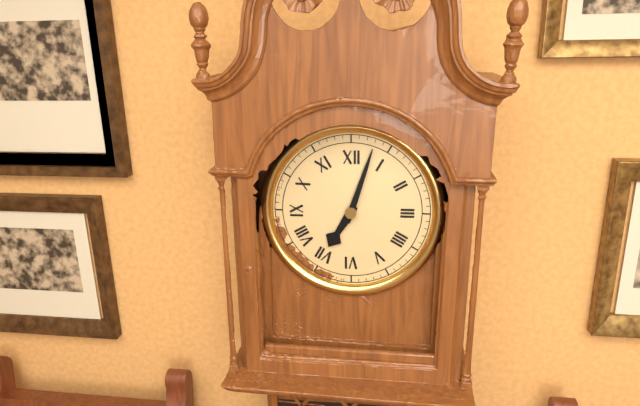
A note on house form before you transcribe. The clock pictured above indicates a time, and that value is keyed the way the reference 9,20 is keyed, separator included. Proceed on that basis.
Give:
7,03
